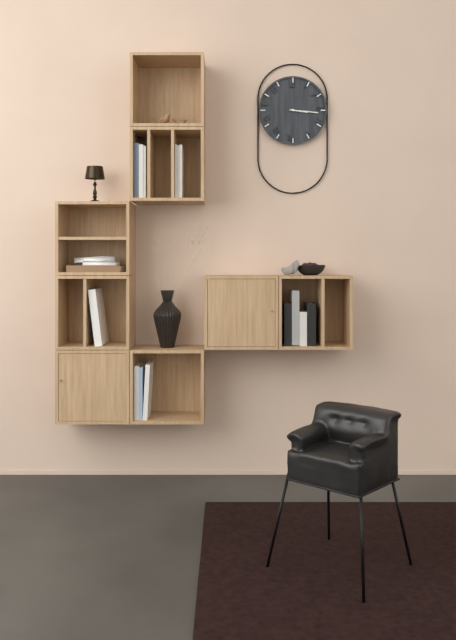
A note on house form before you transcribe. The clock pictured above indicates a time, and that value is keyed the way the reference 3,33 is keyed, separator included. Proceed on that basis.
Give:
3,16
